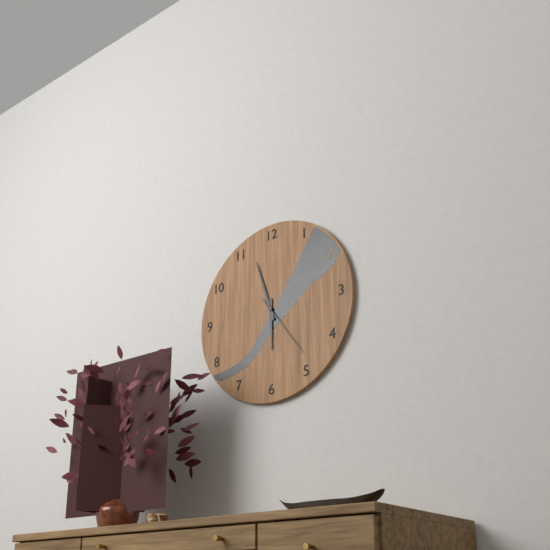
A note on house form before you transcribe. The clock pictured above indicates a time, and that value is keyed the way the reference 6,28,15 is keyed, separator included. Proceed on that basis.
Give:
5,57,24
